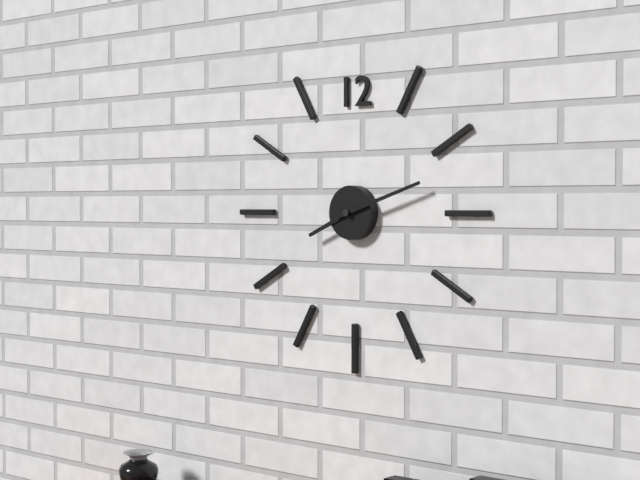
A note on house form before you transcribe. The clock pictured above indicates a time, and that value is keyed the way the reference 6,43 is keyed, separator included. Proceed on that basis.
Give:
8,12
